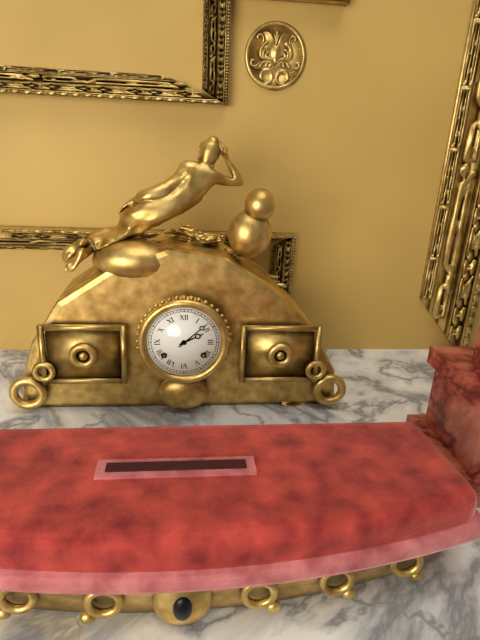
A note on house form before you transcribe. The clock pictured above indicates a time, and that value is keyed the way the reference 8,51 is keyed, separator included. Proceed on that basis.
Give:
2,08
